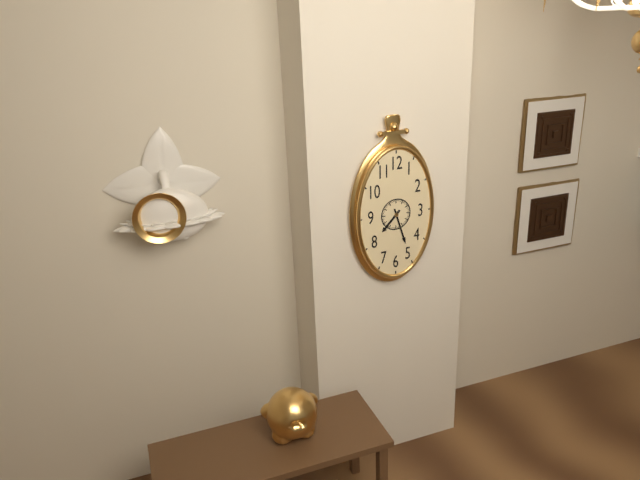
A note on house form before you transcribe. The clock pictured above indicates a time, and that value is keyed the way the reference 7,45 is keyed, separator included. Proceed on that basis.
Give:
7,27
